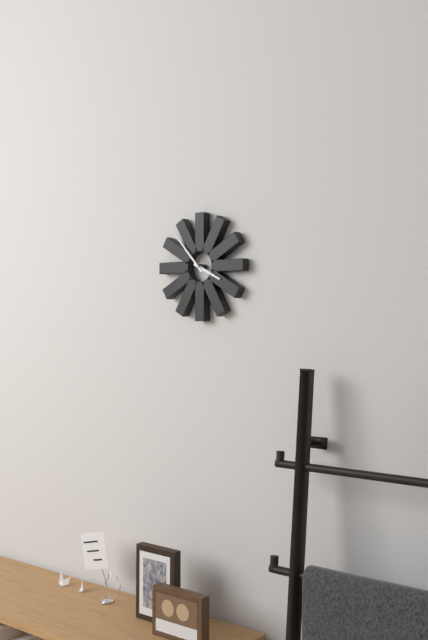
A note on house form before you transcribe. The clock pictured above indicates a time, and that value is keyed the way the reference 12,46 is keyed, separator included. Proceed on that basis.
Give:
3,53
